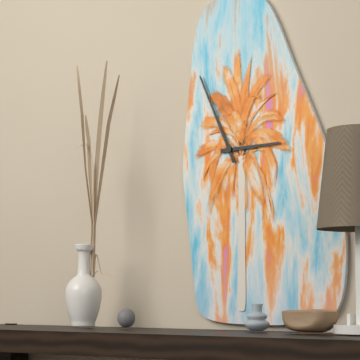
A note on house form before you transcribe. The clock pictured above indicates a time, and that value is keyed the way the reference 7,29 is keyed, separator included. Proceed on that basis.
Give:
2,56
